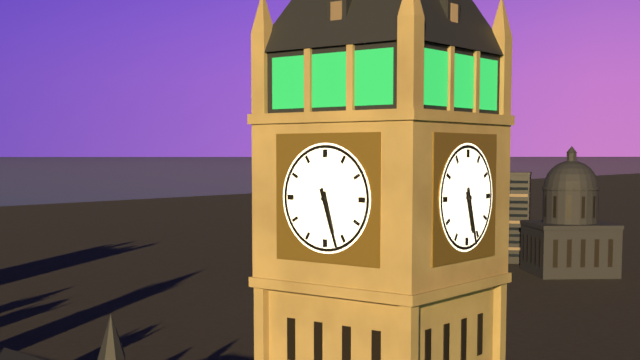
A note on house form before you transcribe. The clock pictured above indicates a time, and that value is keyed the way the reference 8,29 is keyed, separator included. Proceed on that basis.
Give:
5,27
